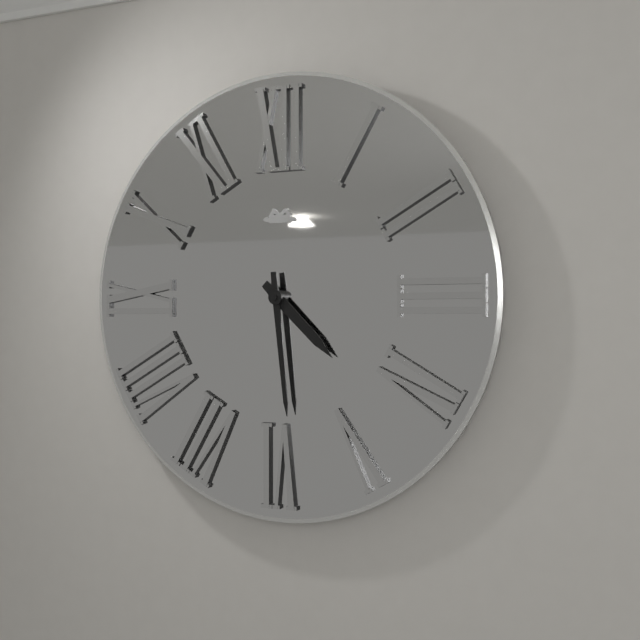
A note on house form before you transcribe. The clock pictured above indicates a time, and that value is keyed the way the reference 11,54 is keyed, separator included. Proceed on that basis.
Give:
4,29
